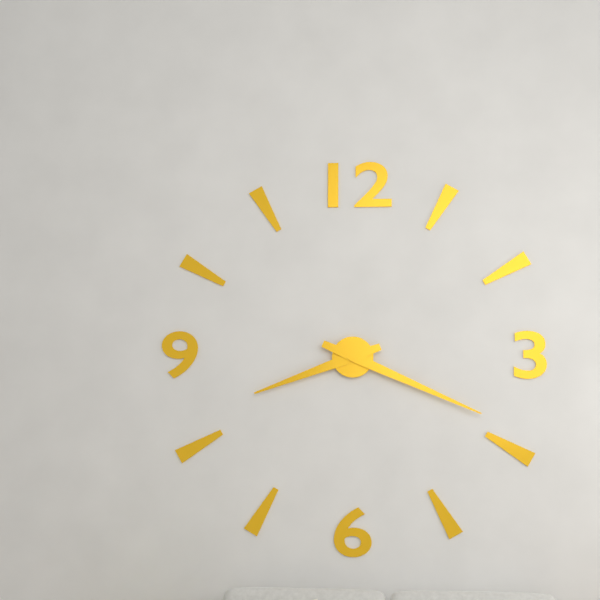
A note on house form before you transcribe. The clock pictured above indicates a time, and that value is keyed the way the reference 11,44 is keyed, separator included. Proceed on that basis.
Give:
8,19
